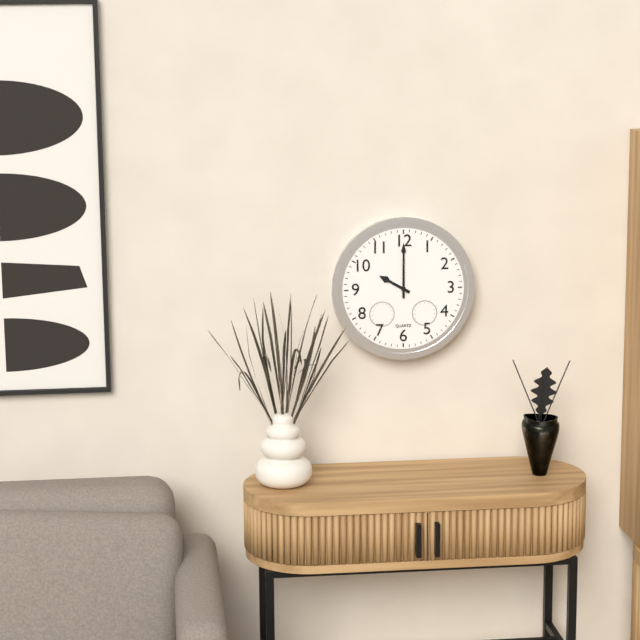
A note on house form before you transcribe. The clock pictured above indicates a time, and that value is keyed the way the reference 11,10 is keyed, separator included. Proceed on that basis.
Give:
10,00
